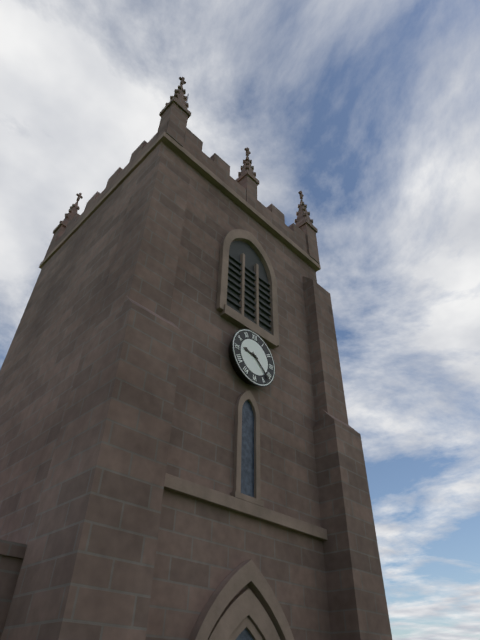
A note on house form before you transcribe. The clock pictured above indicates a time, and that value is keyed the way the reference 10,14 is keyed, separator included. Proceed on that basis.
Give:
9,22
